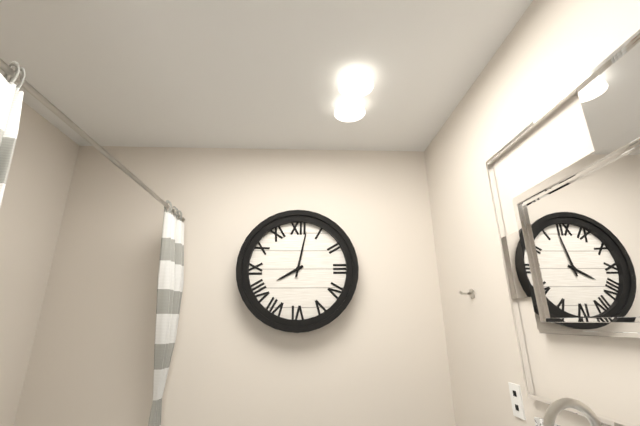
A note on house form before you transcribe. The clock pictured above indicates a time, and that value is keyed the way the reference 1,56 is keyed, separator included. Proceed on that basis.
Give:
8,02
